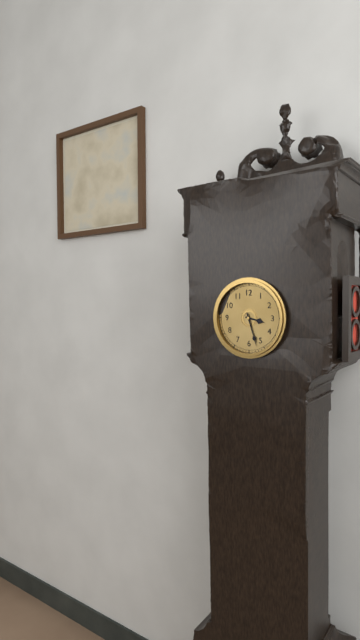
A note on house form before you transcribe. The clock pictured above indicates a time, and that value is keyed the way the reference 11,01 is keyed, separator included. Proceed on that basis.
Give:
3,27
